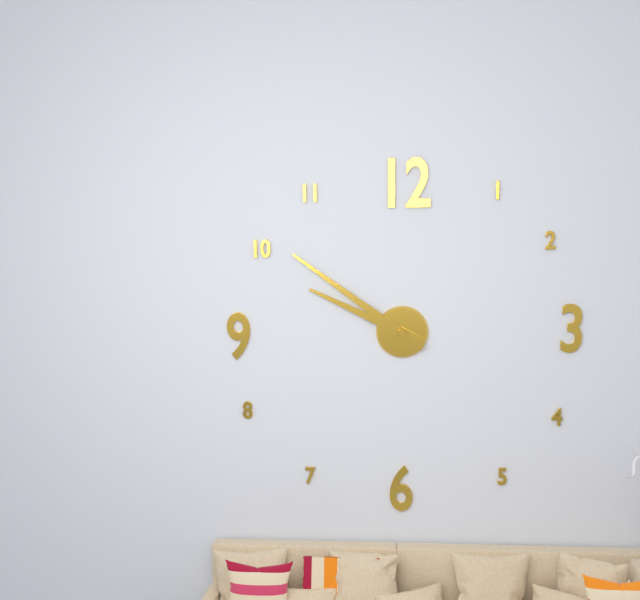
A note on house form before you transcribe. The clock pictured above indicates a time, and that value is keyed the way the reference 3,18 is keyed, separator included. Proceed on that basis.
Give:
9,51
